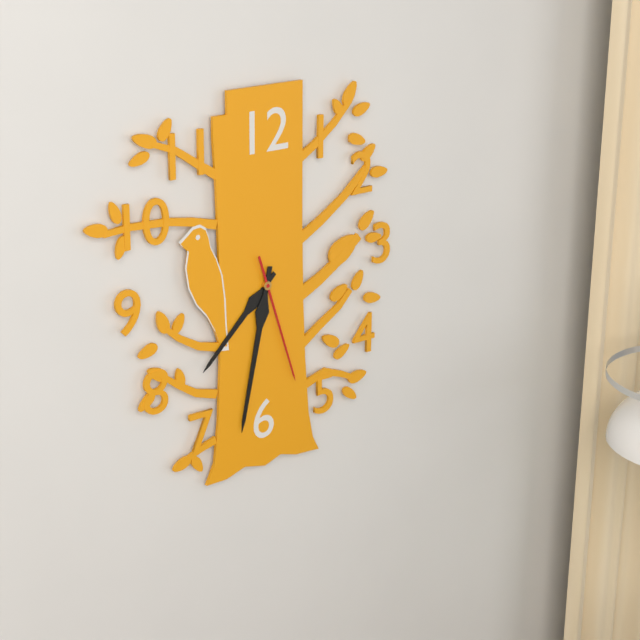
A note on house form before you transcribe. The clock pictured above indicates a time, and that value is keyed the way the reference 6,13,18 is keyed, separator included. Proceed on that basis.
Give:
7,32,27
